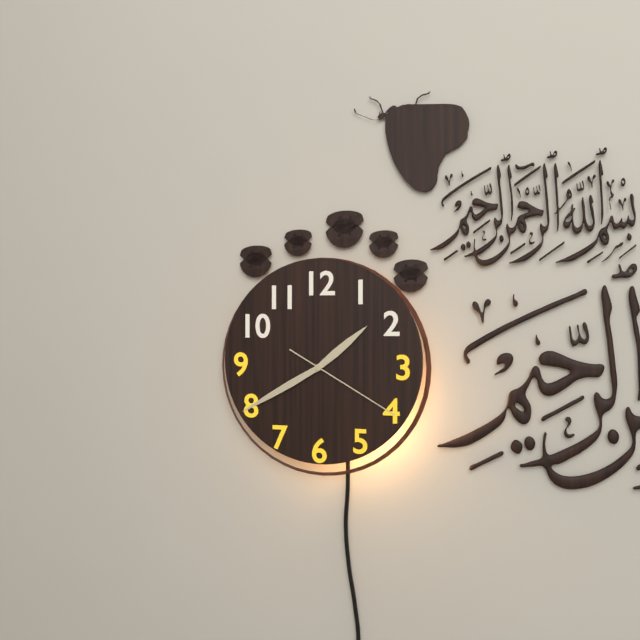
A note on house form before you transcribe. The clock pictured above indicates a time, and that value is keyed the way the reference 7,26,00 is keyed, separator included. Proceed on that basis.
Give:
1,40,20
